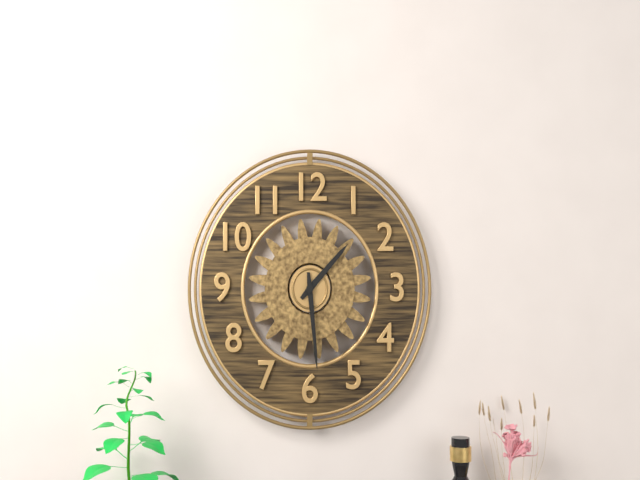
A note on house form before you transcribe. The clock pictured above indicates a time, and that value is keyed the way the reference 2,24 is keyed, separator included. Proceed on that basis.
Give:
1,29
